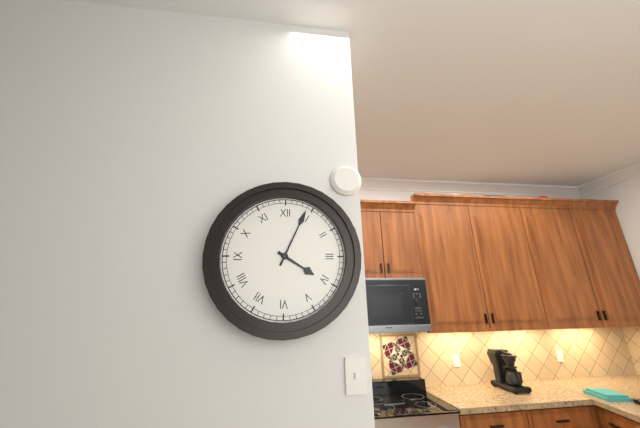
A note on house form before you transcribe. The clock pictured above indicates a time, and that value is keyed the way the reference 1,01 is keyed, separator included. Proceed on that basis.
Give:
4,04
